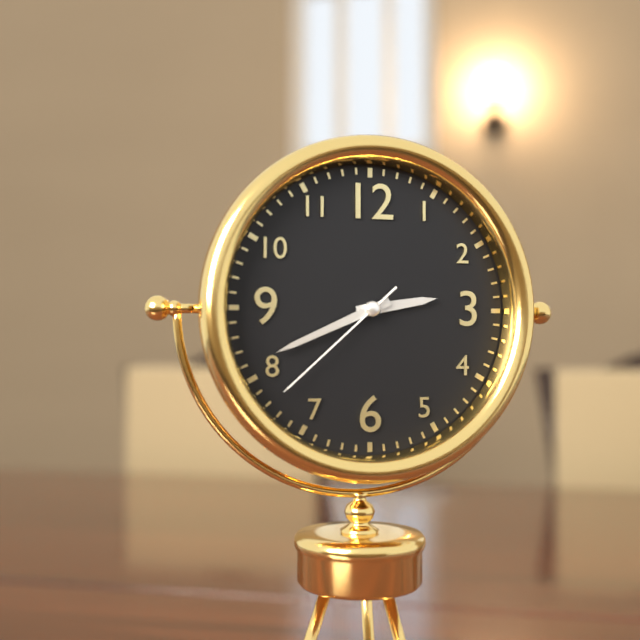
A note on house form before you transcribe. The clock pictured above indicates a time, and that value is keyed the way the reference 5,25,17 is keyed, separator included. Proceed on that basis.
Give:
2,41,38
